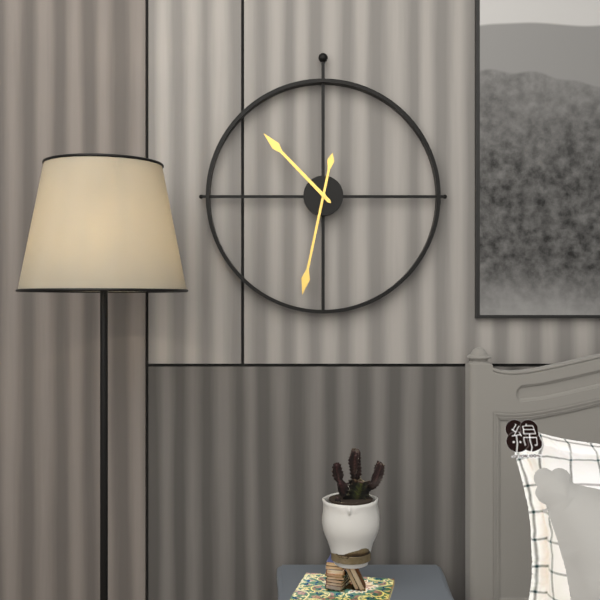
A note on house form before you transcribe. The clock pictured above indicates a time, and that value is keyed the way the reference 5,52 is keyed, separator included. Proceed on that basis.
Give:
10,32
